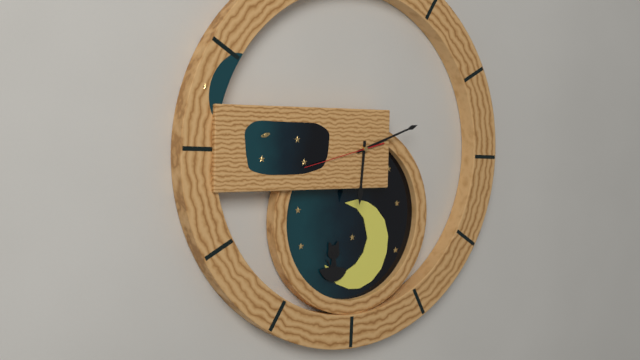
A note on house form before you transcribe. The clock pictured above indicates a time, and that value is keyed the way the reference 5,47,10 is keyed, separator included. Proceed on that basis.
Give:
6,12,43
